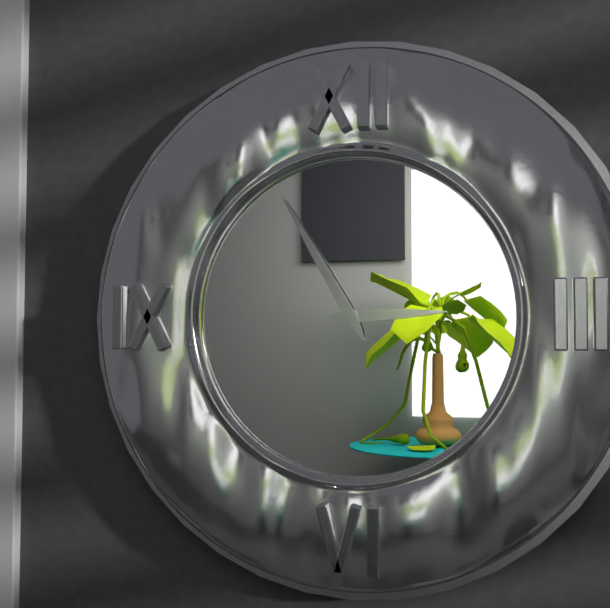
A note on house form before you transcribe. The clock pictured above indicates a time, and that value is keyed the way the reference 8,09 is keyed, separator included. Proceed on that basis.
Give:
2,55
